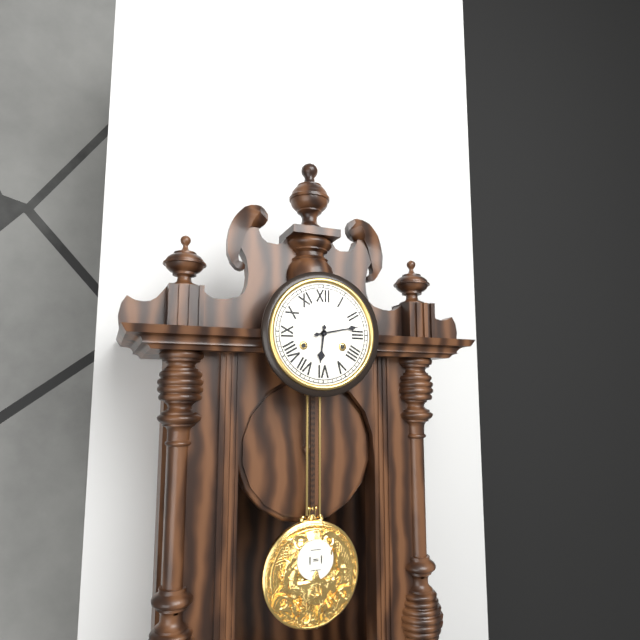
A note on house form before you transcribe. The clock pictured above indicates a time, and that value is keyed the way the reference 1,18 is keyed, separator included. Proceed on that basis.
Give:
6,13
